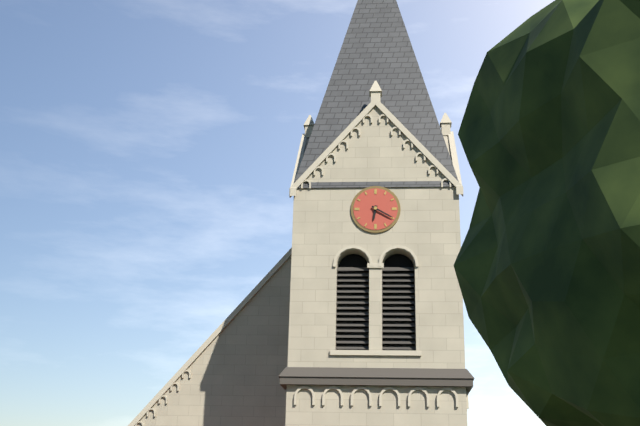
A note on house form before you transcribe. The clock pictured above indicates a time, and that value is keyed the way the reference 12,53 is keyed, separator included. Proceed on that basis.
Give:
6,20
